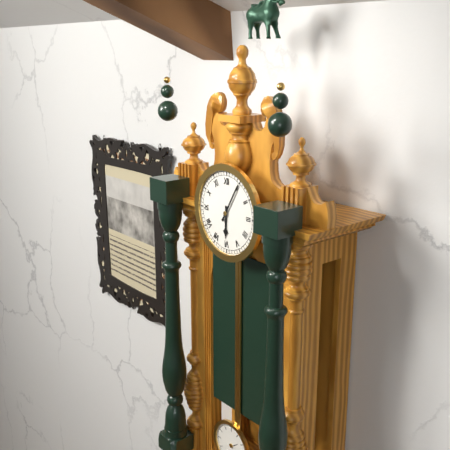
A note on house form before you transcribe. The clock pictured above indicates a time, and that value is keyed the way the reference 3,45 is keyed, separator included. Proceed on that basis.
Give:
6,05
